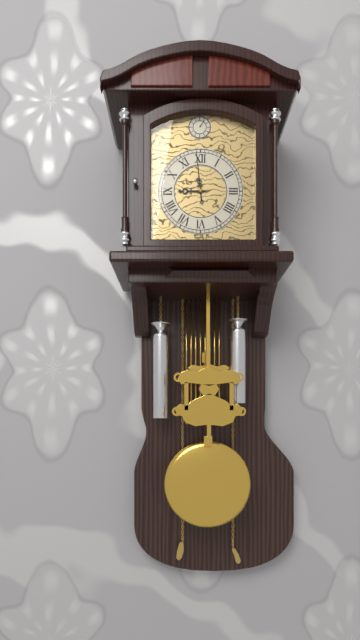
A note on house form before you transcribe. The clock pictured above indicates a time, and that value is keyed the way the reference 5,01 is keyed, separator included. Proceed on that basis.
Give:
8,59
